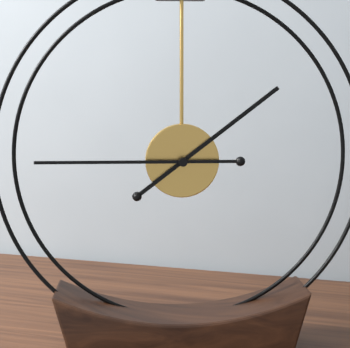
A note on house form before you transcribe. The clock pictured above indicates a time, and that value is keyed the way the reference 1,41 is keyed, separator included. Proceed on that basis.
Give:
1,45
